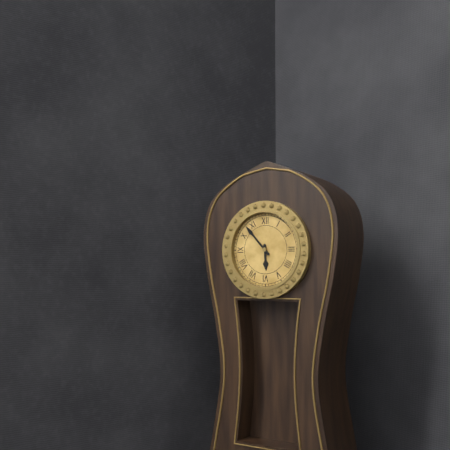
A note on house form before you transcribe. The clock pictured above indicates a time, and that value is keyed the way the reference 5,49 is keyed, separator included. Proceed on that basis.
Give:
5,53
